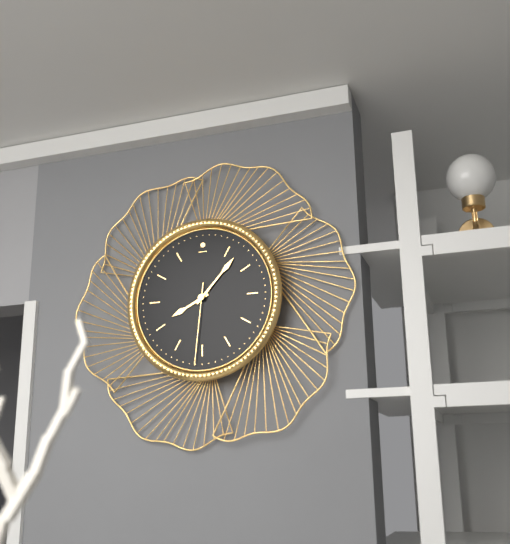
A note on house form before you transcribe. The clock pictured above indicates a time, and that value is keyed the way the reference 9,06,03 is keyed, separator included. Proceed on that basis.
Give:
8,07,31
